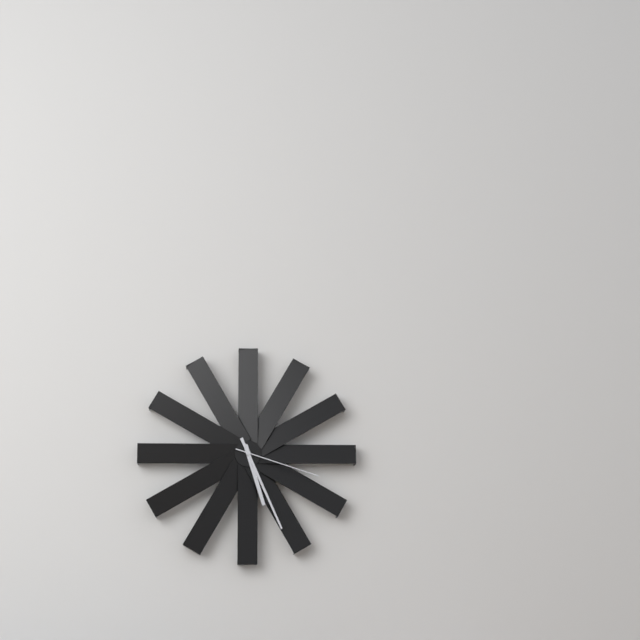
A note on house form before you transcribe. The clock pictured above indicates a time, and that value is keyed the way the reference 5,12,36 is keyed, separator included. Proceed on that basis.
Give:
5,26,18
